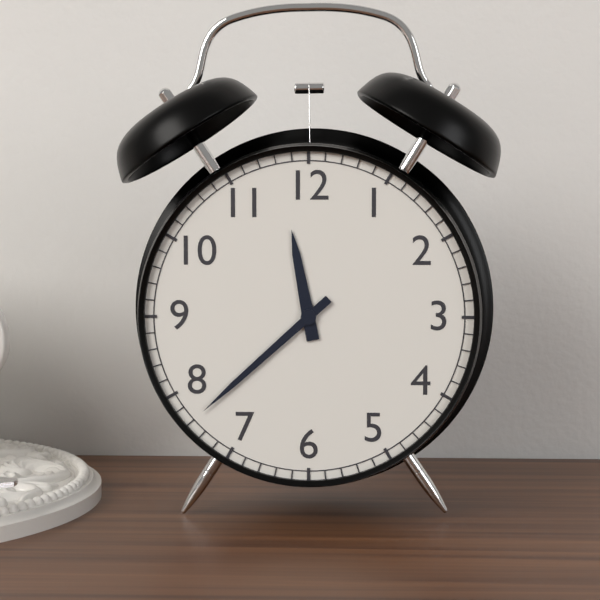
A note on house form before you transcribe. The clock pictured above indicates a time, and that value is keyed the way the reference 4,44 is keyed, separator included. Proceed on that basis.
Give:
11,38
